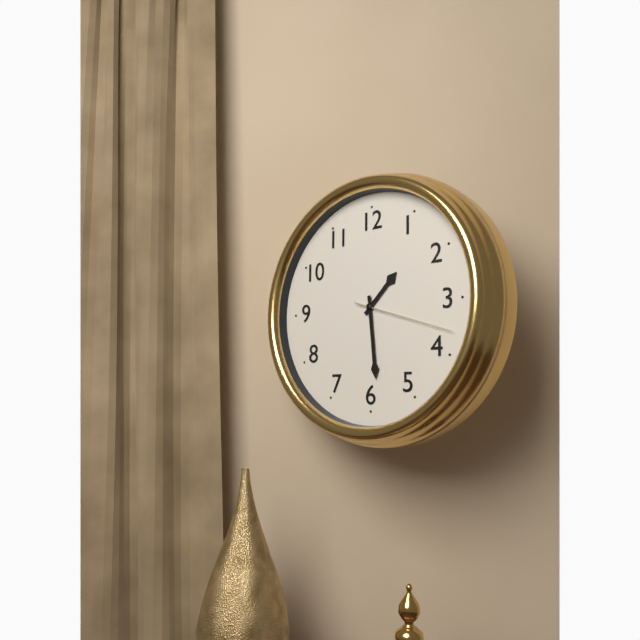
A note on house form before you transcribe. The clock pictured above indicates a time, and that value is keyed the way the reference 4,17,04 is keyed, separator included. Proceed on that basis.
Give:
1,29,18
